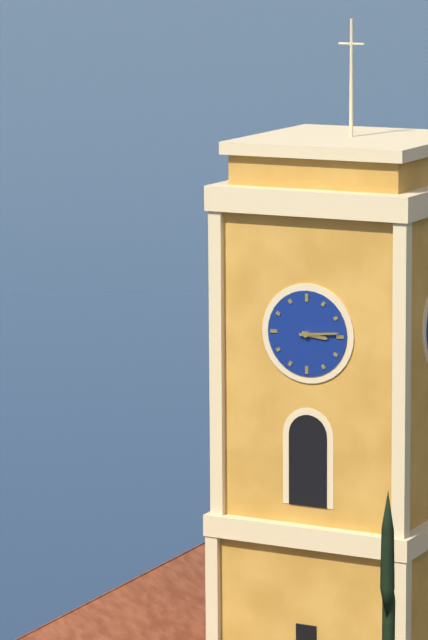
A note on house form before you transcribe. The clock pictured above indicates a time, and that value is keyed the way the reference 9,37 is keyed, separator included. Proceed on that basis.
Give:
3,14
